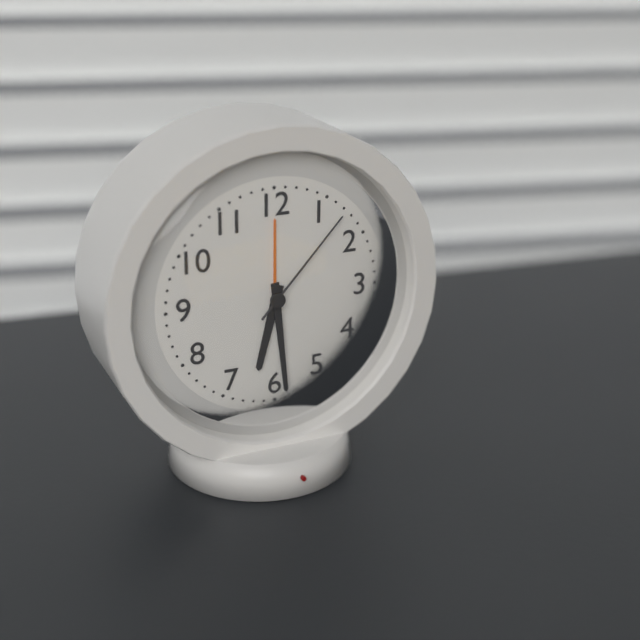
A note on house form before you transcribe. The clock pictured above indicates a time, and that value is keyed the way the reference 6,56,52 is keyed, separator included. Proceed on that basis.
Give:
6,29,07
